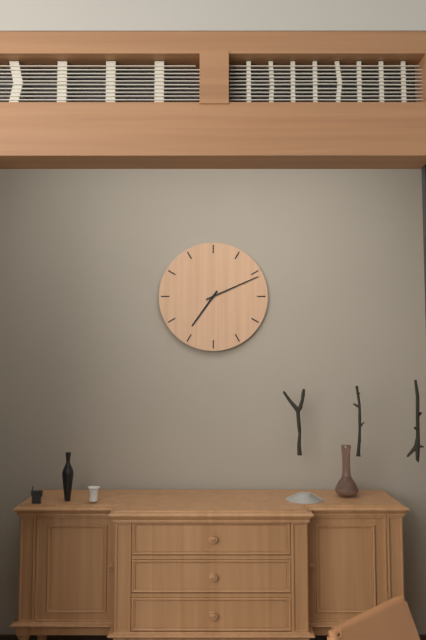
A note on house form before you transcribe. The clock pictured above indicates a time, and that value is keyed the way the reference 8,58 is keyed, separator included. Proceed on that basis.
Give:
7,11
